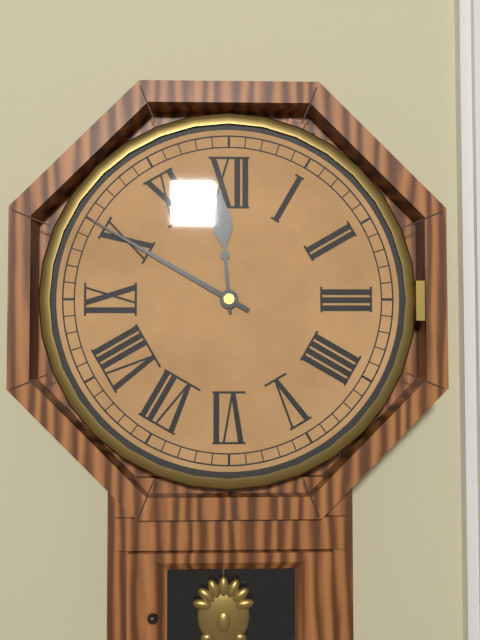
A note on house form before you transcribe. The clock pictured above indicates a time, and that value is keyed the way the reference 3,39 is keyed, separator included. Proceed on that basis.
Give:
11,50
